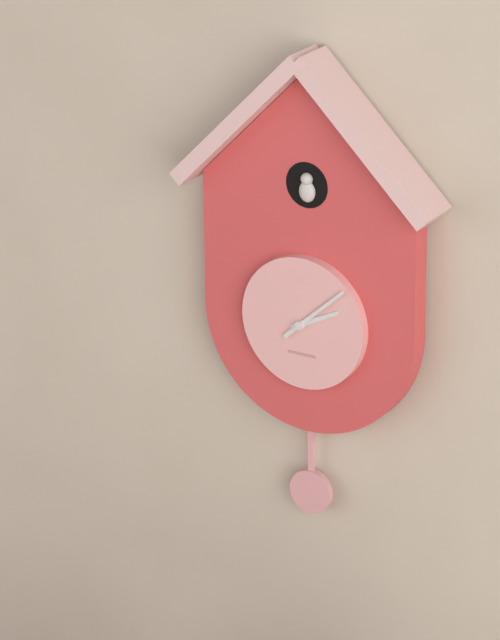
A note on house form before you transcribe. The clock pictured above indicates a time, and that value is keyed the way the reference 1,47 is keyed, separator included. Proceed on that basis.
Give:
2,08
